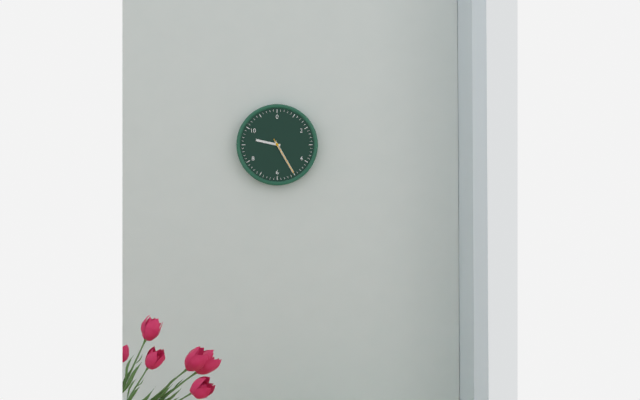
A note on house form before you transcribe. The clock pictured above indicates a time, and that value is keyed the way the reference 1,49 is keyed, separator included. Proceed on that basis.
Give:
9,25
